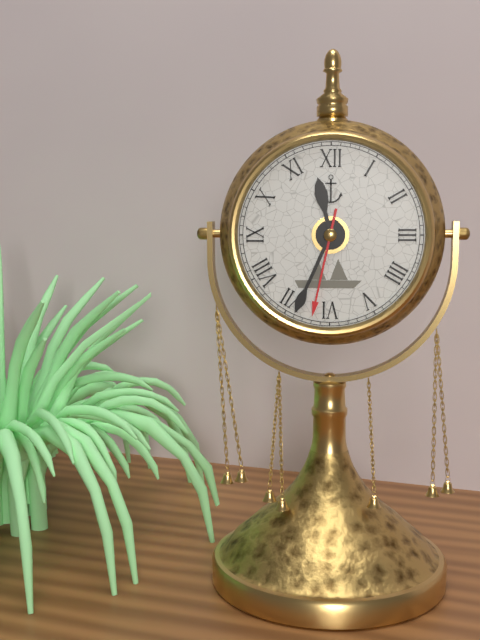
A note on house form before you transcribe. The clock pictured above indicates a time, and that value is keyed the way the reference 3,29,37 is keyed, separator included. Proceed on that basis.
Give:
11,34,32
